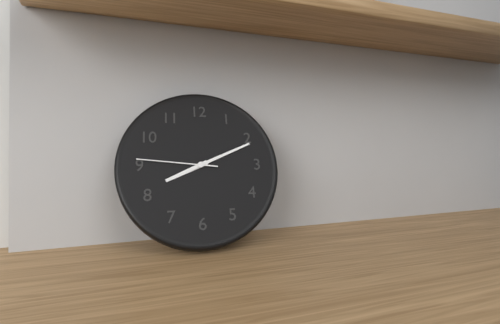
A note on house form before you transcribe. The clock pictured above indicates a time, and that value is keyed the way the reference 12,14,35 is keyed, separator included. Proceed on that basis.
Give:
8,11,46
